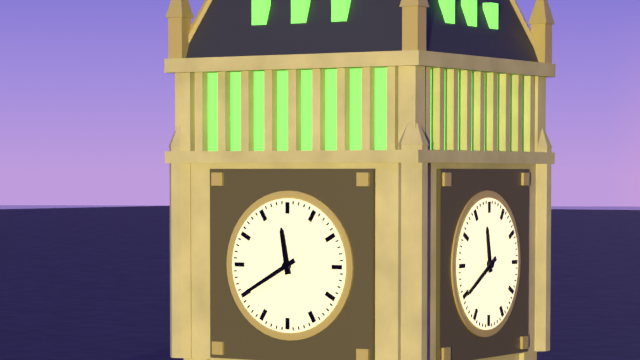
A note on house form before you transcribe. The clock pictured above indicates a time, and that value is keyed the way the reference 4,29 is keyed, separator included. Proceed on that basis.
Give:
11,40
